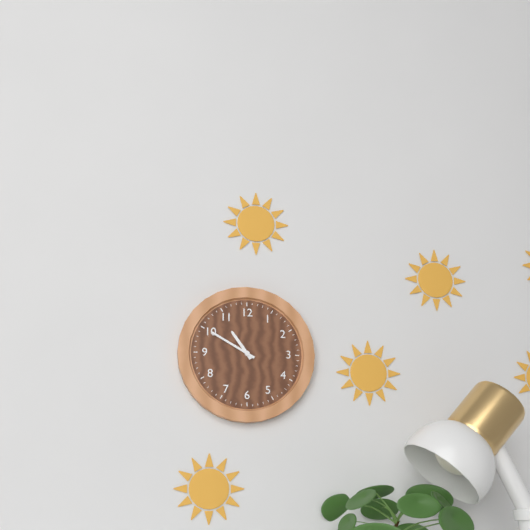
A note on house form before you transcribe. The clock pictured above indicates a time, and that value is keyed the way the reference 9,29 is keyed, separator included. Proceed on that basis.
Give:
10,50
